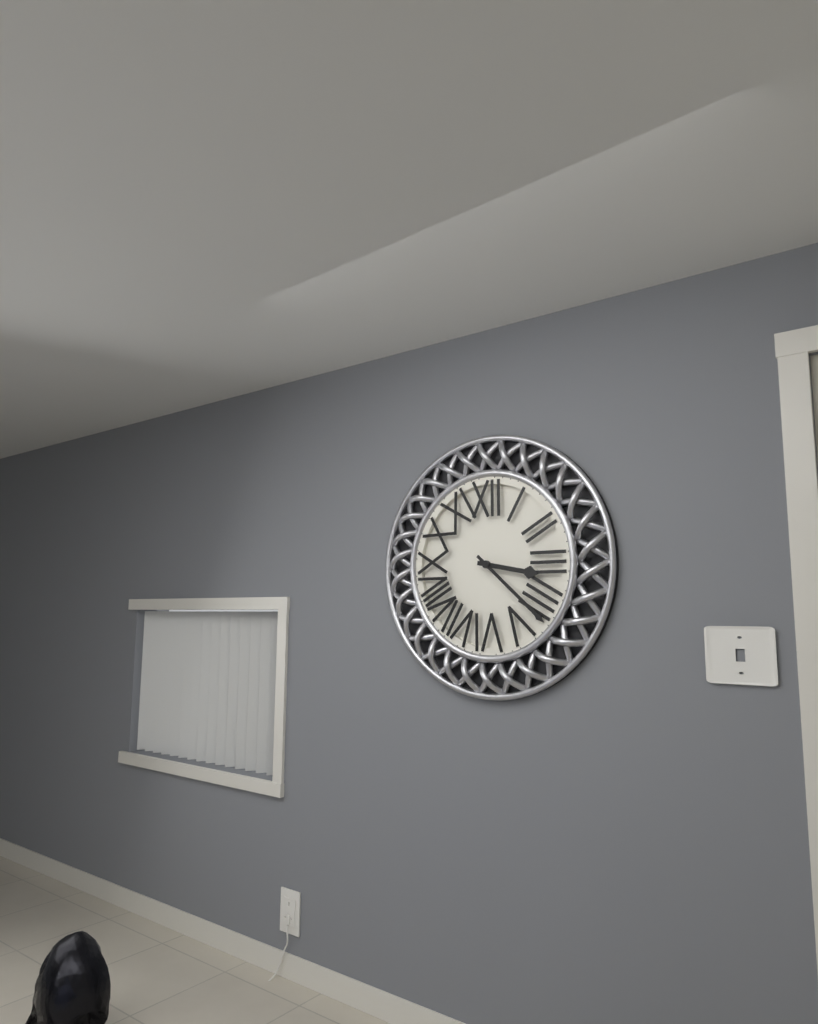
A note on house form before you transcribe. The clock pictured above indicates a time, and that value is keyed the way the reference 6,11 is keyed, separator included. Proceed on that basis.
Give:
3,22
